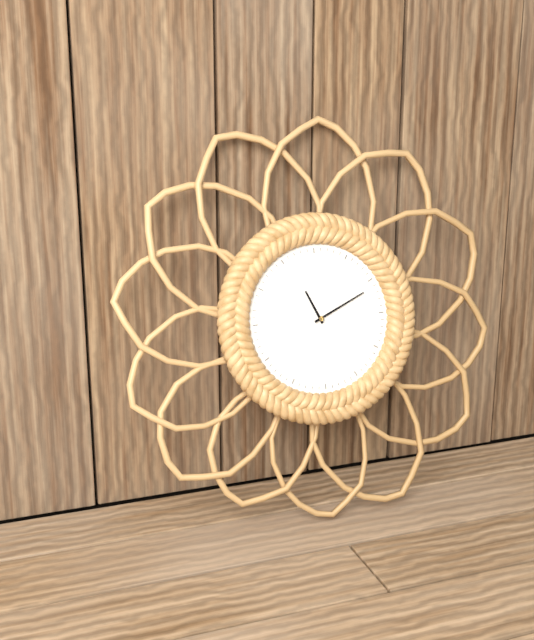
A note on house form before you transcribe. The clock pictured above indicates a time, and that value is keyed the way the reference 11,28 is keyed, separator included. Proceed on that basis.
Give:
11,11
